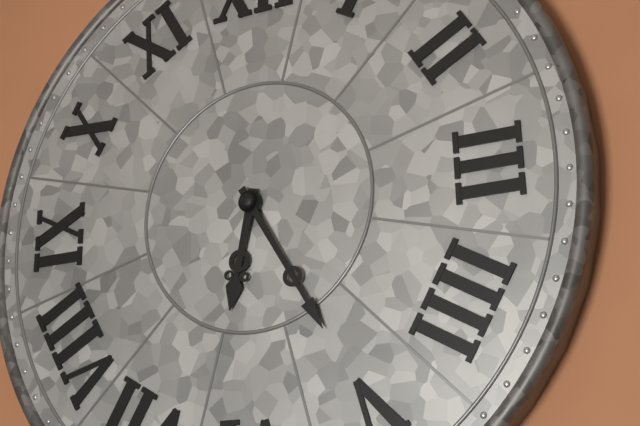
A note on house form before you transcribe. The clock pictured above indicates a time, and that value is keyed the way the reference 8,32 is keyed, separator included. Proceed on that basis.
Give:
6,25
